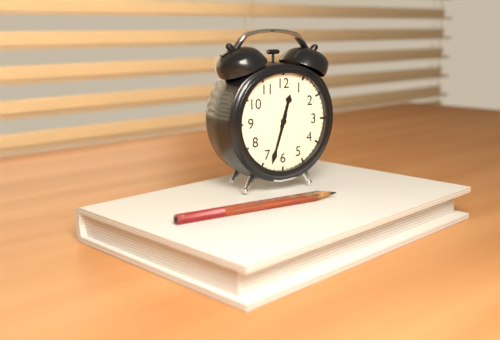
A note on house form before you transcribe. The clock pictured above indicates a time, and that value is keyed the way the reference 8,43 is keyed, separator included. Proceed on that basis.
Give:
12,33
